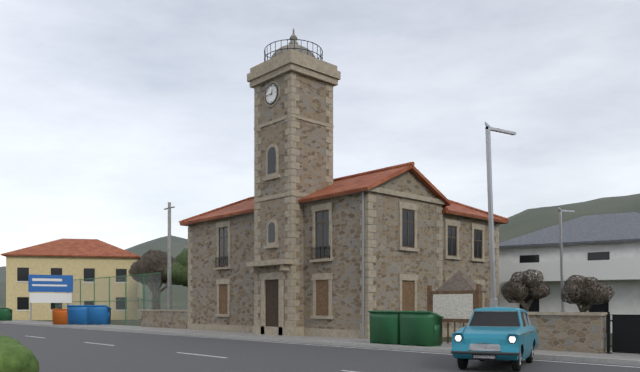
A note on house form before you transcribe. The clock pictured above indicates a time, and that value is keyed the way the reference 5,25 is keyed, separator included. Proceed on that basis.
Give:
12,45
